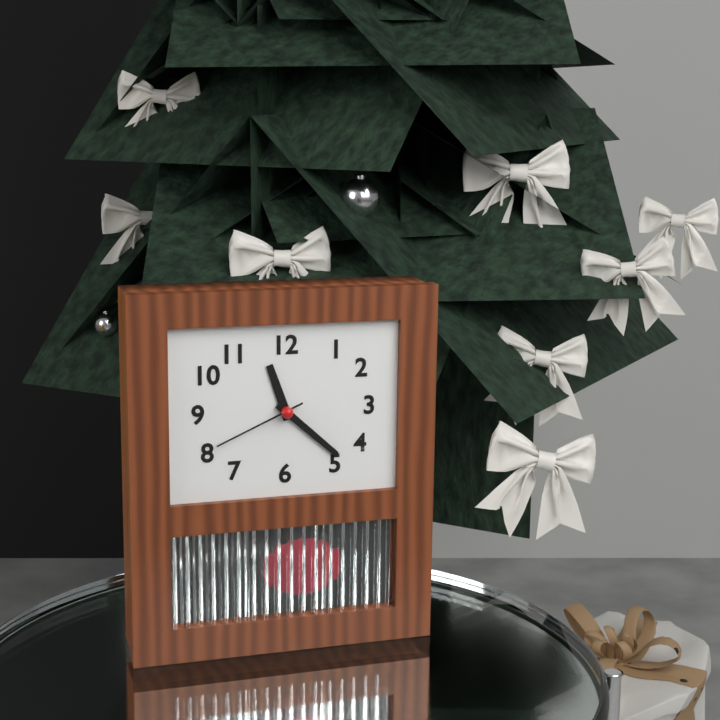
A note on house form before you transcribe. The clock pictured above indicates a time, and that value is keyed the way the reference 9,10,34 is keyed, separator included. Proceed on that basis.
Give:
11,22,41
